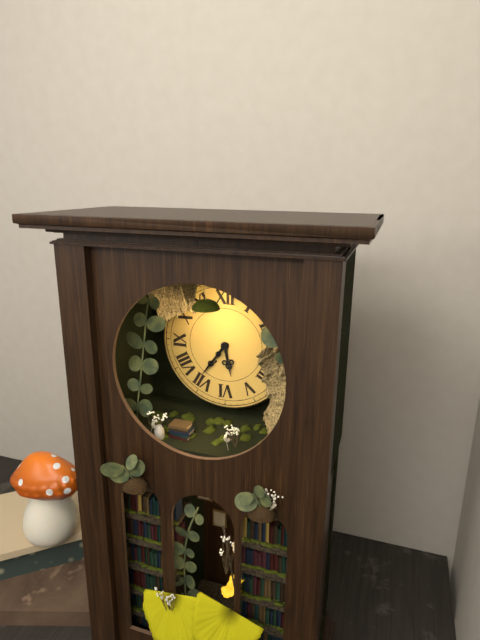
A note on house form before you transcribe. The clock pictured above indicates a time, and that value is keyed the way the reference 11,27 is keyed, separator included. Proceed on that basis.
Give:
5,36
